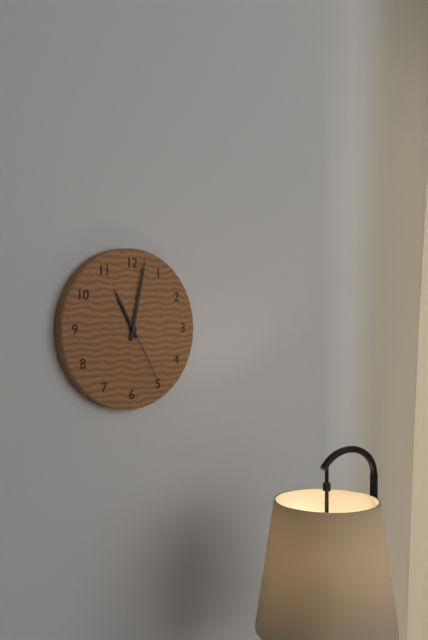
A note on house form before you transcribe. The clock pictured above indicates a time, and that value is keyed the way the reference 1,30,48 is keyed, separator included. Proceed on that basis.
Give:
11,02,25
